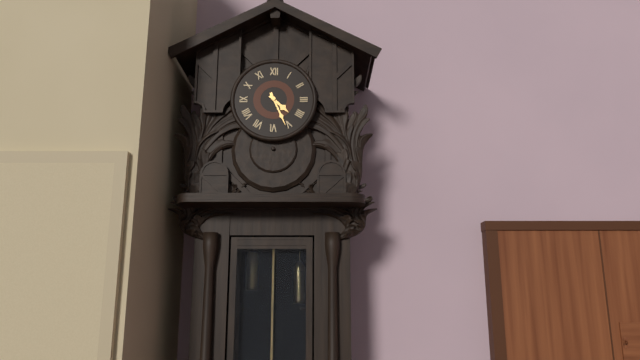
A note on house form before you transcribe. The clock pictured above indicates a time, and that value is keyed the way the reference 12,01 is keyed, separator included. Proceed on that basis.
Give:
4,26
